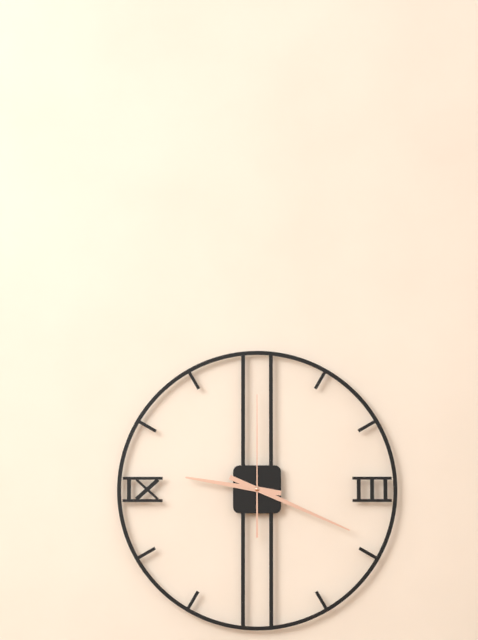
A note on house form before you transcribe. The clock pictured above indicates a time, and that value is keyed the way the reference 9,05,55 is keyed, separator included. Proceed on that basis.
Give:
9,19,00
